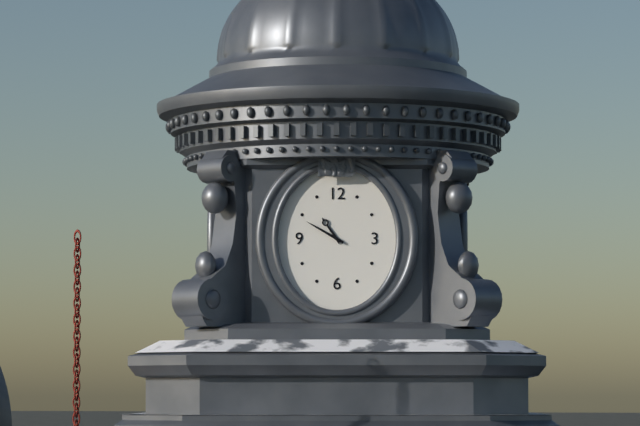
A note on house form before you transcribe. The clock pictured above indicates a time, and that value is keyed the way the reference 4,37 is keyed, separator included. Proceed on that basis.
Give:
10,50
